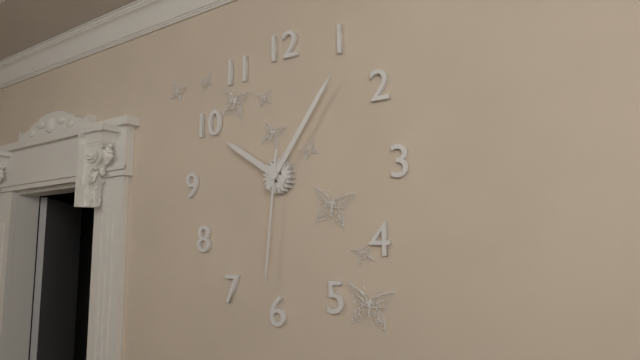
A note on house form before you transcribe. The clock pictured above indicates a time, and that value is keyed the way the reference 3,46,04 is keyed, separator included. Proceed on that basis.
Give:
10,06,31
